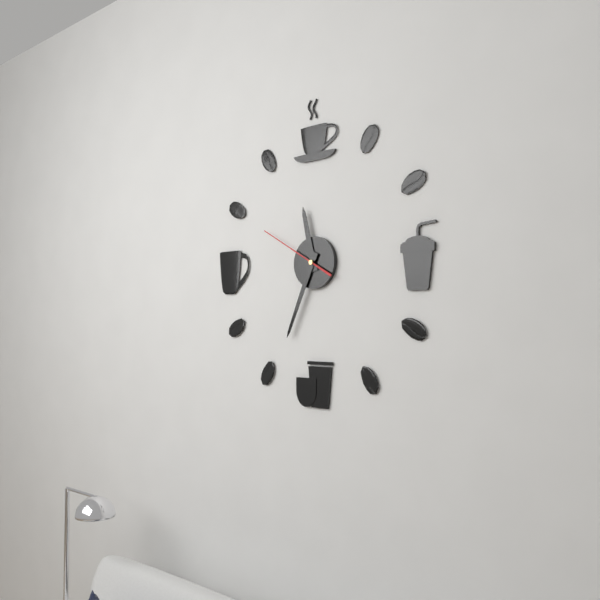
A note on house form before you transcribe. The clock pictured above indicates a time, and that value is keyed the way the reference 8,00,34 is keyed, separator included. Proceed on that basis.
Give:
11,34,50
